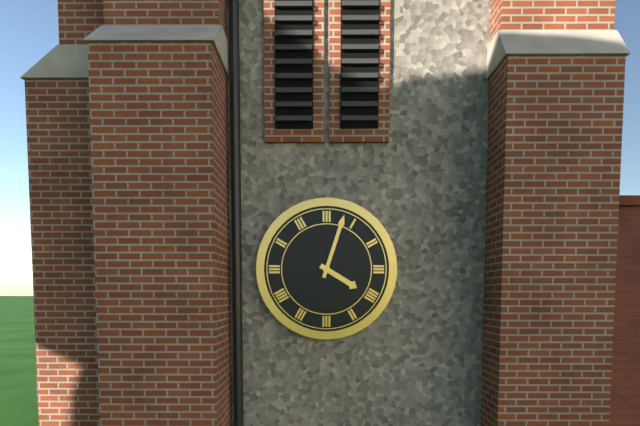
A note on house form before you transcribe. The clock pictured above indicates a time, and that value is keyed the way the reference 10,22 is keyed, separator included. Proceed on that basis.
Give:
4,03
